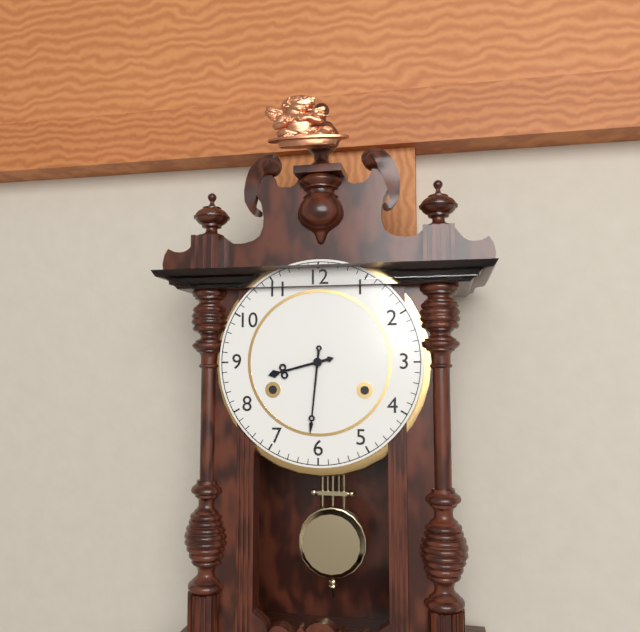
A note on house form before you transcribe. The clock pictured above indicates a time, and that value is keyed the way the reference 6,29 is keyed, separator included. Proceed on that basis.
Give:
8,31
